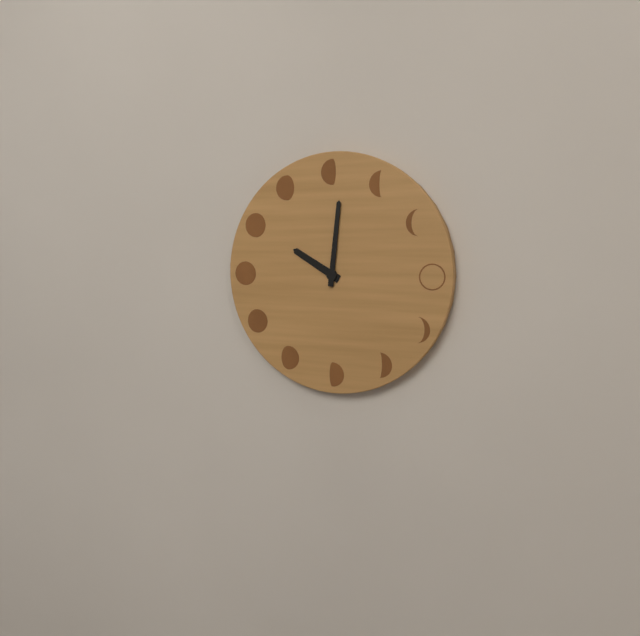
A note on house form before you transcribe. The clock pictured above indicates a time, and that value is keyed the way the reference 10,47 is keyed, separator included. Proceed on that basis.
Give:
10,01
